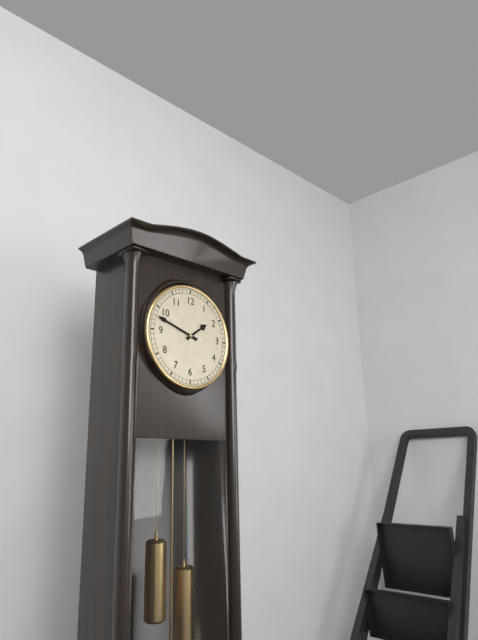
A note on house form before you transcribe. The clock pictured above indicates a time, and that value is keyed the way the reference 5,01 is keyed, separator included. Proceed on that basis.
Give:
1,48
